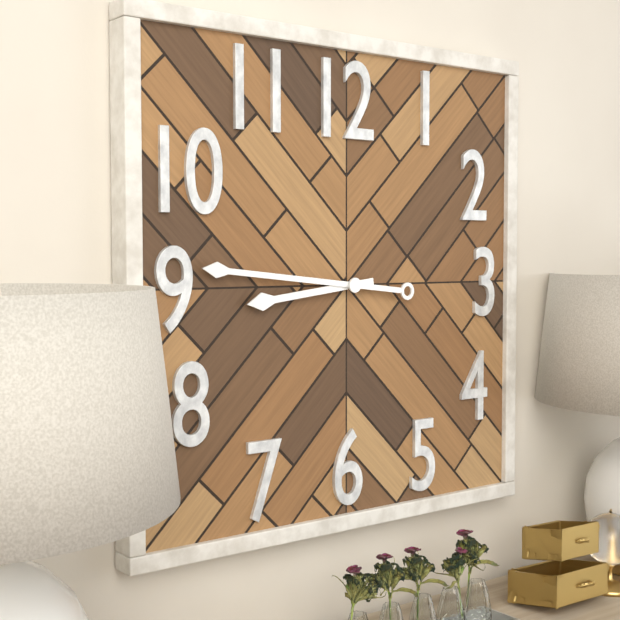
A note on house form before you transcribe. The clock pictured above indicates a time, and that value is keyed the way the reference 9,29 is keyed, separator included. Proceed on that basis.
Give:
8,46
